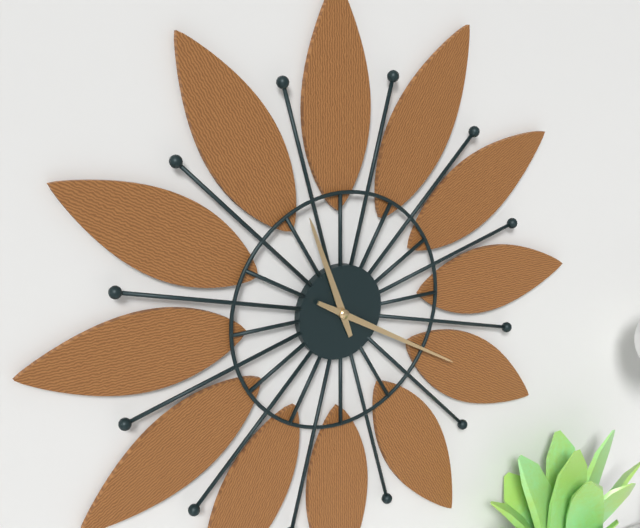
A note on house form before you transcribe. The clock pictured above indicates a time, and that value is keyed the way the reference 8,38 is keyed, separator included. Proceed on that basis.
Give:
11,20
